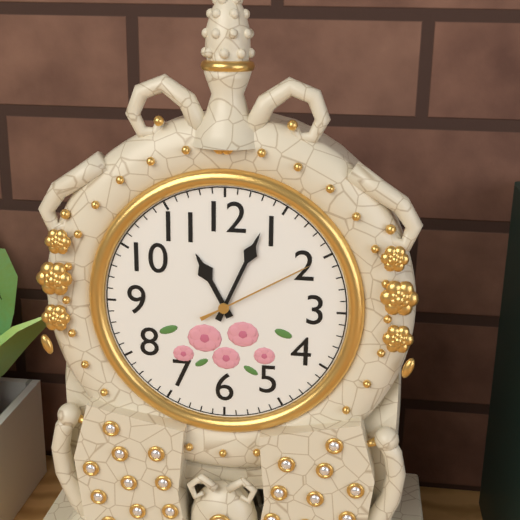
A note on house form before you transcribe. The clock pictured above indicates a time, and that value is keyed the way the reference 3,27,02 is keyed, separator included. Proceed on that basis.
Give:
11,04,10
